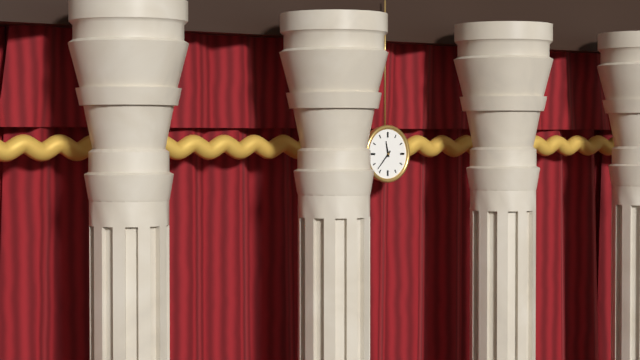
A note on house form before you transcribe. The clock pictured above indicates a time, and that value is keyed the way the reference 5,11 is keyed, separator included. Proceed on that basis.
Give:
11,37
